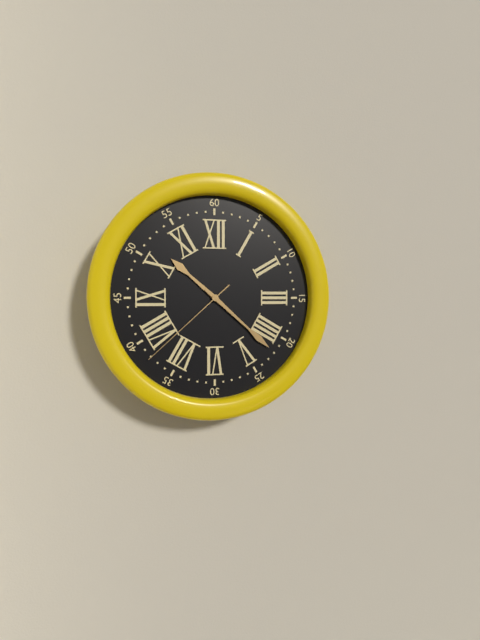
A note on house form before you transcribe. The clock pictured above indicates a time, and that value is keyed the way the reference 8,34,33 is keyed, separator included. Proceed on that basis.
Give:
10,22,38
